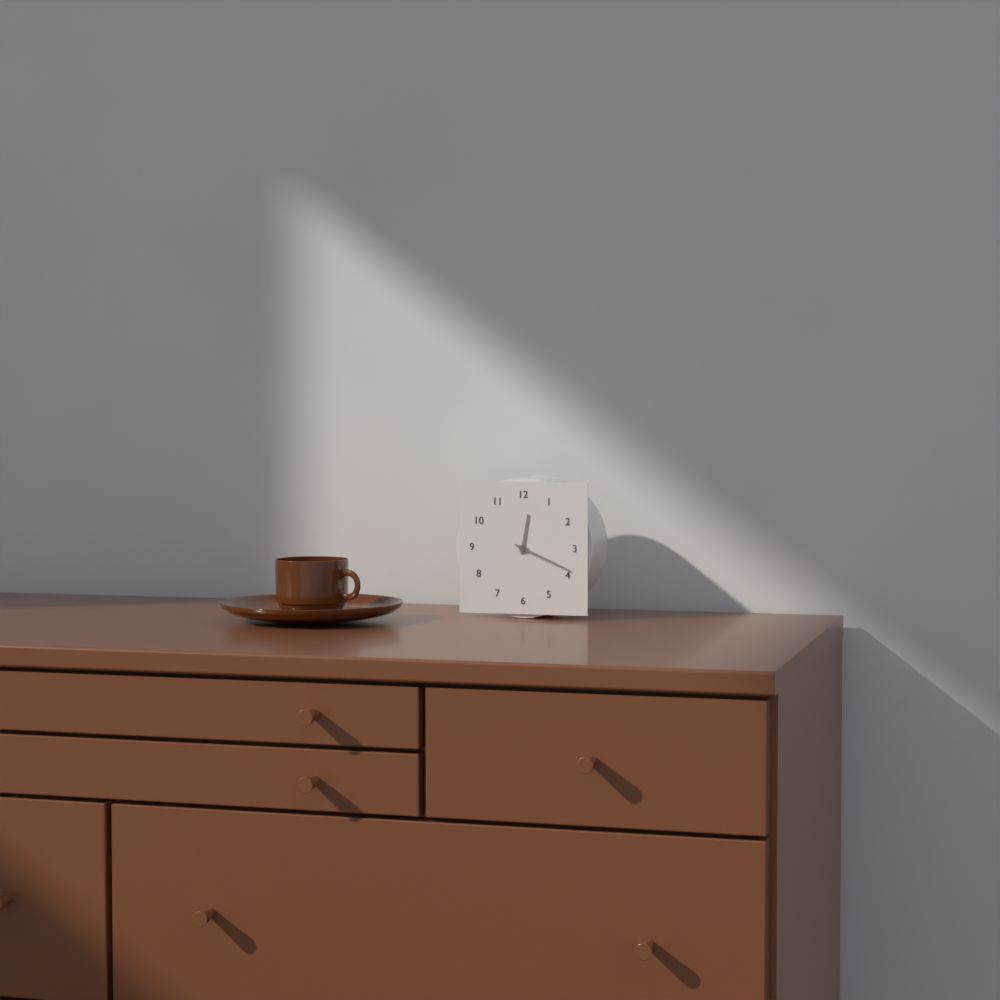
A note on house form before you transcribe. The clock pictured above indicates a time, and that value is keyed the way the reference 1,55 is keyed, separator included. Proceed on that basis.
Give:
12,19
